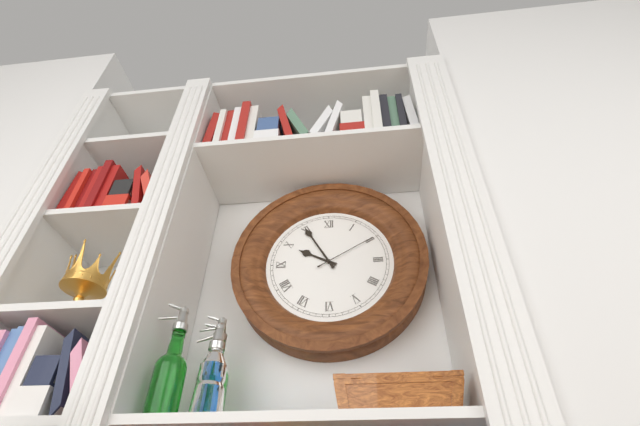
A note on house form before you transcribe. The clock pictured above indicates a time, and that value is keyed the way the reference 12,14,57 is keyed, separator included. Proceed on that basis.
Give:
9,55,10
